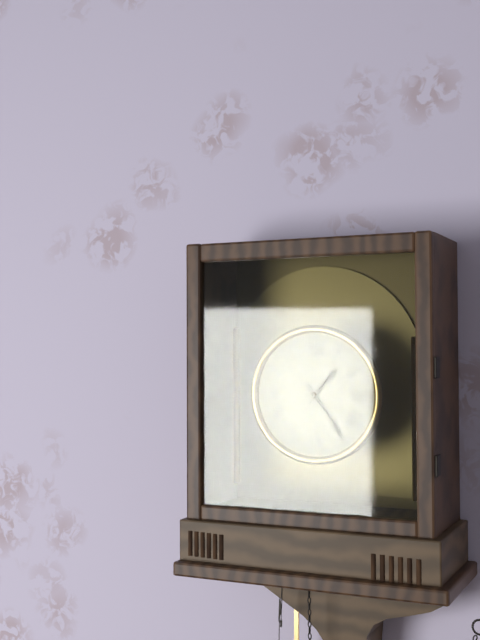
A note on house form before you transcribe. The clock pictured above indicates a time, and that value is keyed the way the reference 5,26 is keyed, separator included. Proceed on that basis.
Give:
1,24
